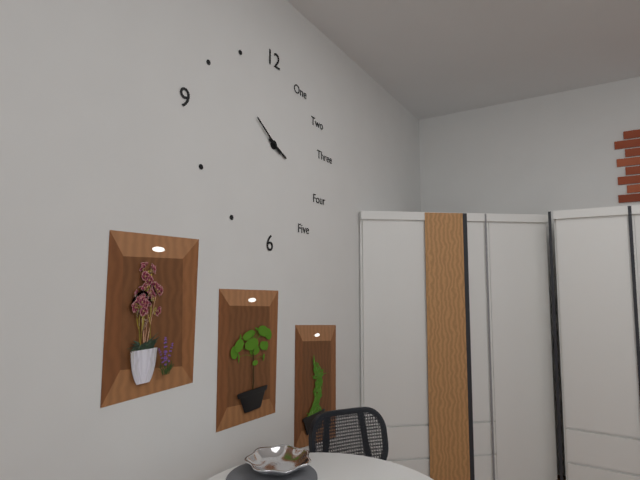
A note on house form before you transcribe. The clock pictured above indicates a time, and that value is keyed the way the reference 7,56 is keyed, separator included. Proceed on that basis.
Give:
3,51
